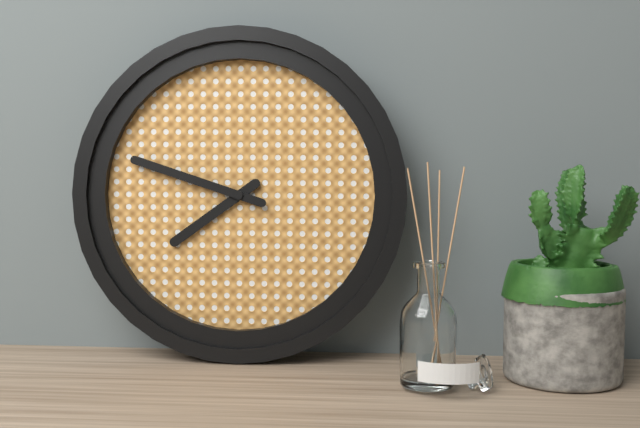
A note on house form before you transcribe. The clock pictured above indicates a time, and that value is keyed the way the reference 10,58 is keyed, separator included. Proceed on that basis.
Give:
7,48
